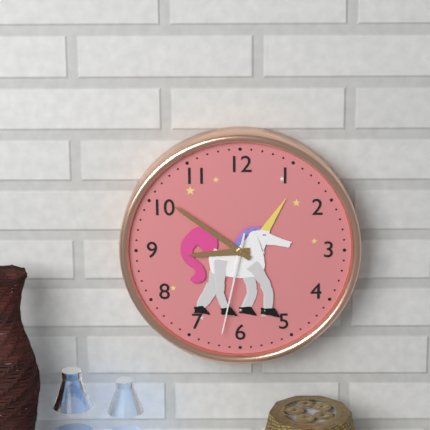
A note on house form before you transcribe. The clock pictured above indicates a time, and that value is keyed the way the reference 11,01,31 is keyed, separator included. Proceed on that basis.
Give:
8,51,32
